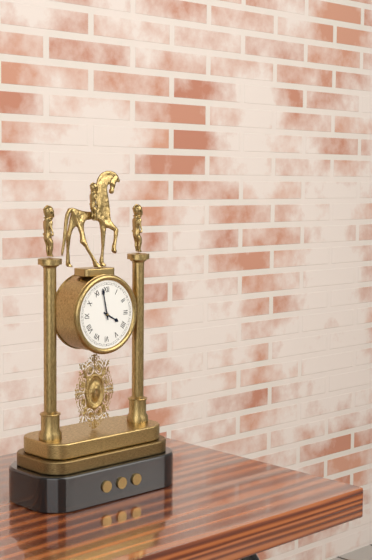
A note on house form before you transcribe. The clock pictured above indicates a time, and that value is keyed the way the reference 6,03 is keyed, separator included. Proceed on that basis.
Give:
3,58
